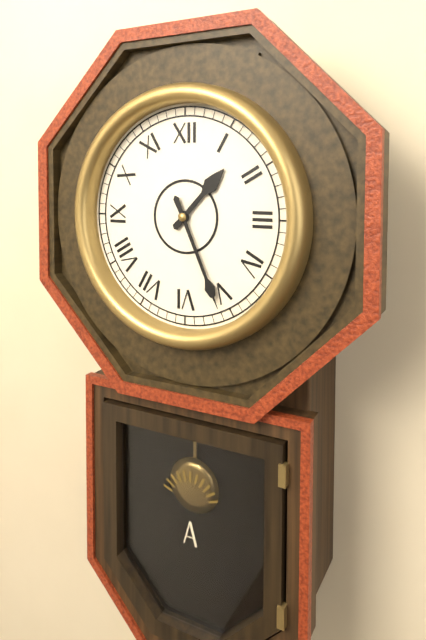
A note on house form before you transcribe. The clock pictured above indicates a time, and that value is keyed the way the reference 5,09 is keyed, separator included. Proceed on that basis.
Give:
1,26
